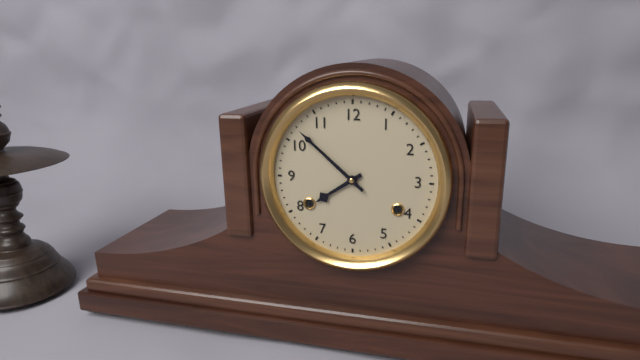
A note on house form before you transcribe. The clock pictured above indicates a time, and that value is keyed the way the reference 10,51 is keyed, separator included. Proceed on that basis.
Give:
7,52
